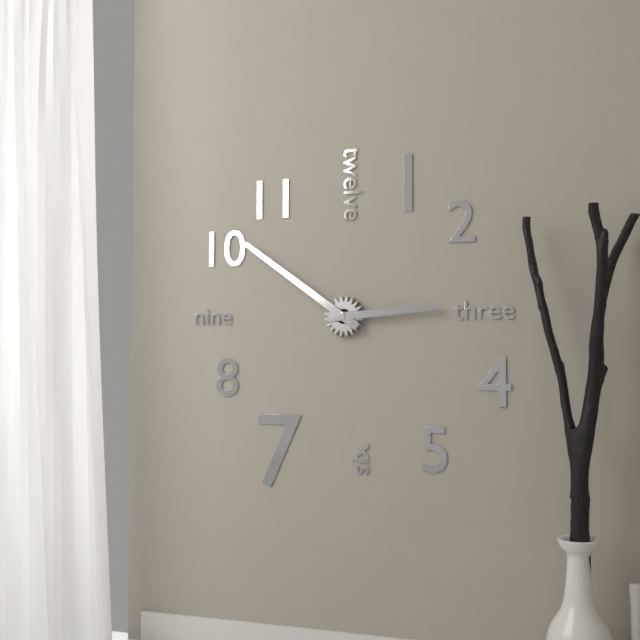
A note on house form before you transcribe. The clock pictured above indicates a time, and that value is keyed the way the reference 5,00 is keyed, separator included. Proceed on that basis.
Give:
2,51
